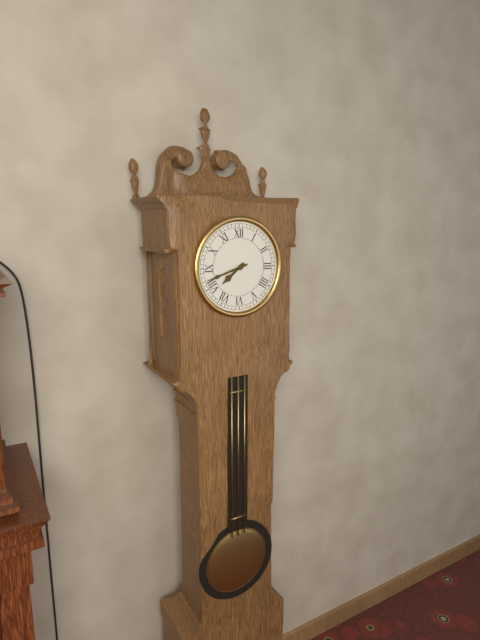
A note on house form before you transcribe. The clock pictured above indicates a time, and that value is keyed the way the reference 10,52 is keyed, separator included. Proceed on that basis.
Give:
7,42
